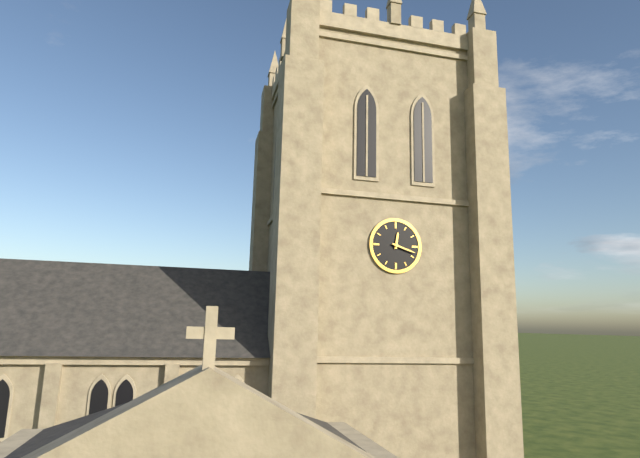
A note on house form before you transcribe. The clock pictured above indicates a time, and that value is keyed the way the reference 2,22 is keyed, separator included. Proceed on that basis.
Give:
12,18
